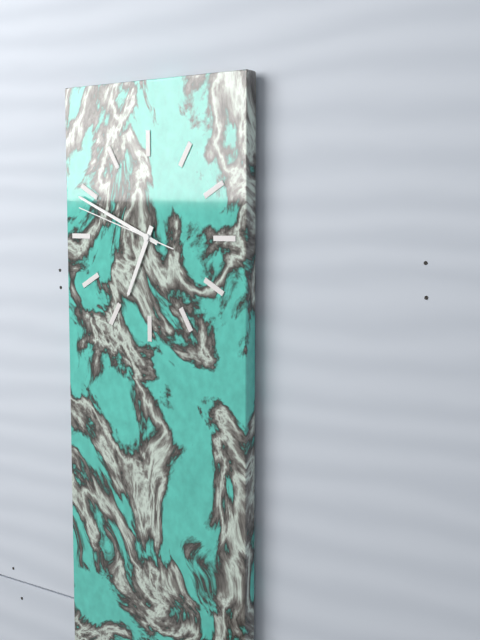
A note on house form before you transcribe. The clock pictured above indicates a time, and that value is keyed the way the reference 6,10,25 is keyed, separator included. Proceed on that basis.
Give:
6,49,48
